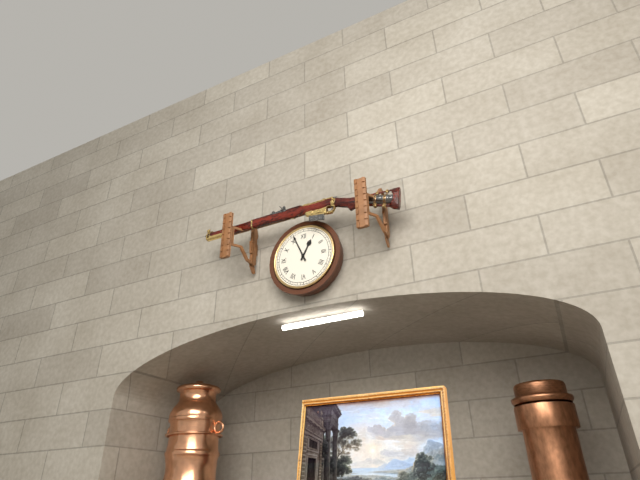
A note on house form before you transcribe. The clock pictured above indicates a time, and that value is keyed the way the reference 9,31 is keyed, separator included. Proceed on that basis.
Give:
12,56
